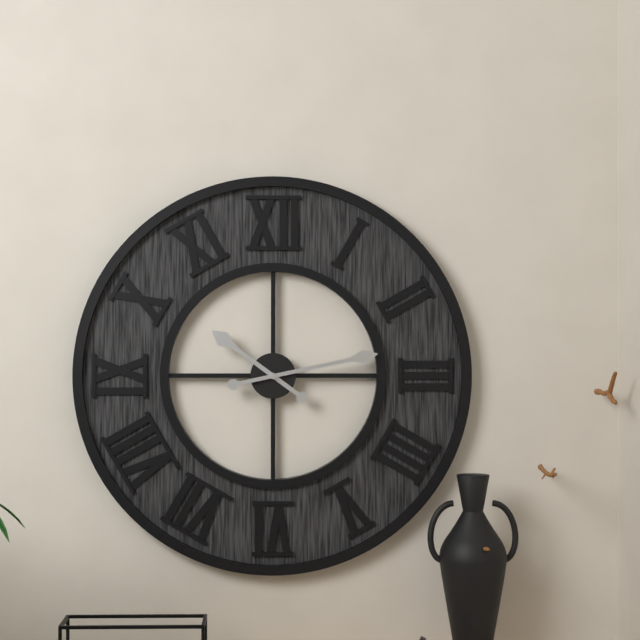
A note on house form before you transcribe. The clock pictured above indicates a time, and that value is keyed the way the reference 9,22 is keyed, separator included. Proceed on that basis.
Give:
10,13
